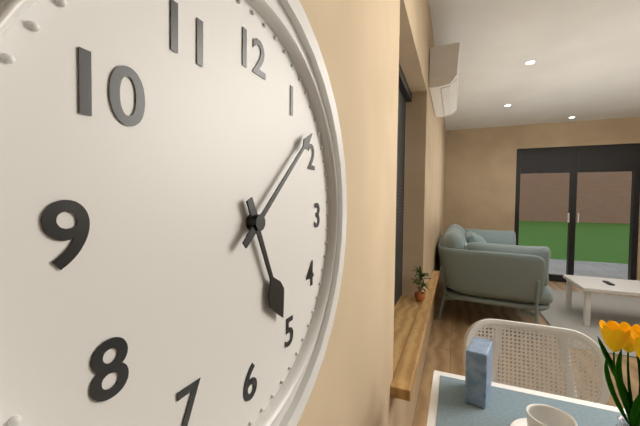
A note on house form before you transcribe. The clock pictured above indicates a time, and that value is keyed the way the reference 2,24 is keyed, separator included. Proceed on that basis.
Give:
5,08
